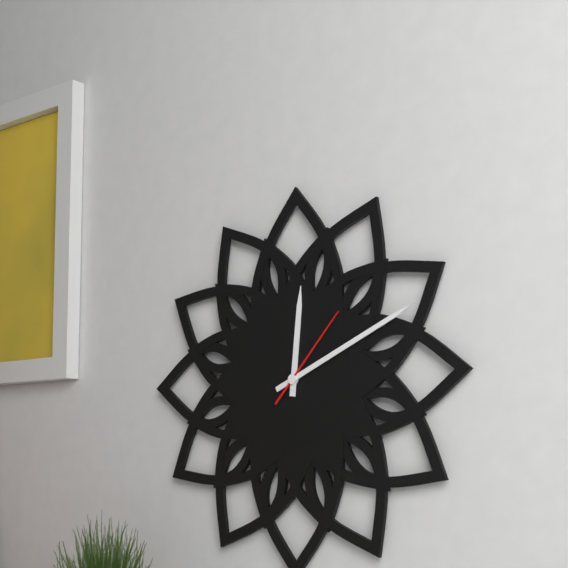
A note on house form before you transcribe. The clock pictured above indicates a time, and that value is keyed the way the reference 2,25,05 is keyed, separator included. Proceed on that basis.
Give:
12,11,07
